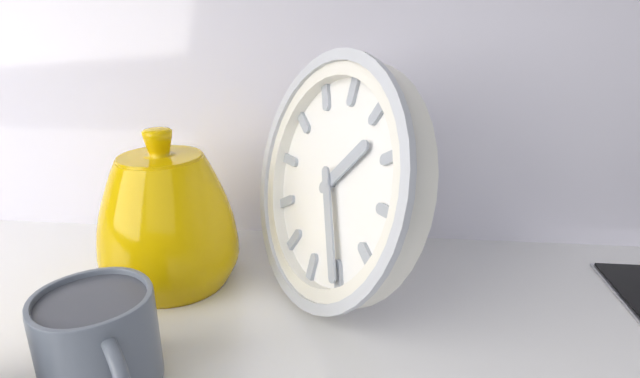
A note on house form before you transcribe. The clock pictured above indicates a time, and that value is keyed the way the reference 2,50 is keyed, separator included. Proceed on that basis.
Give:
1,25
